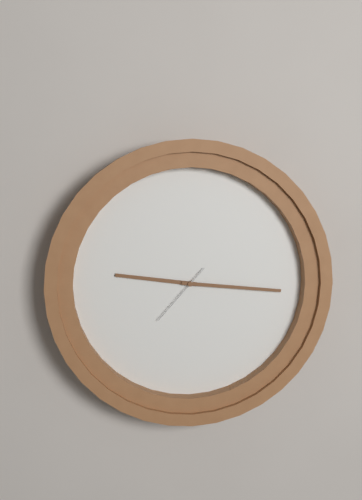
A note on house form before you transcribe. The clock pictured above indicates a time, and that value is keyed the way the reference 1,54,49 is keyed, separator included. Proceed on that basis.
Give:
9,16,37
